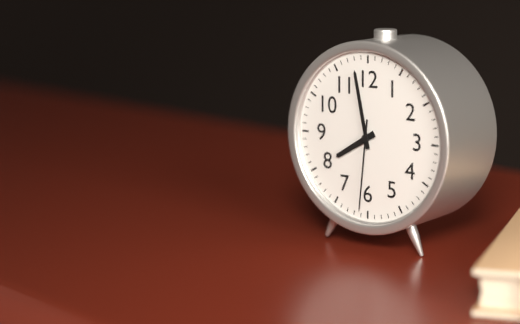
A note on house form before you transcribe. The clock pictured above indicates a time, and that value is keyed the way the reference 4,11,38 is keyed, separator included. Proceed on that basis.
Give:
7,58,31
